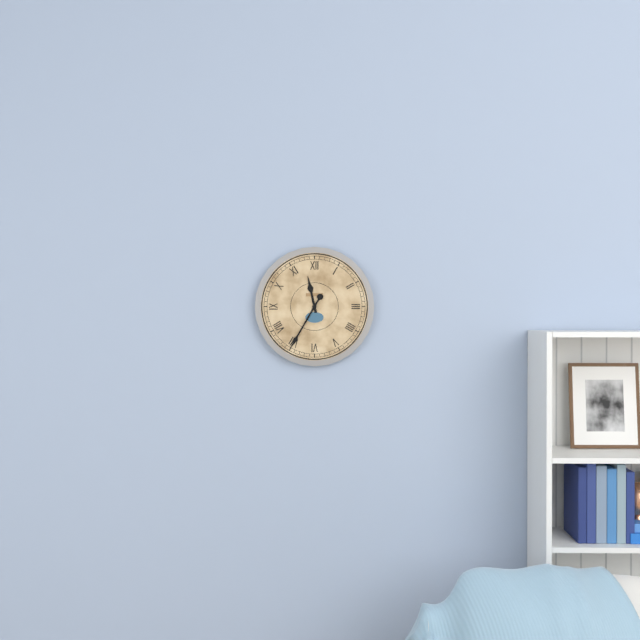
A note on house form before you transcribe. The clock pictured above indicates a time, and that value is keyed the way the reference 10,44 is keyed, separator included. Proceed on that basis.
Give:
11,35
